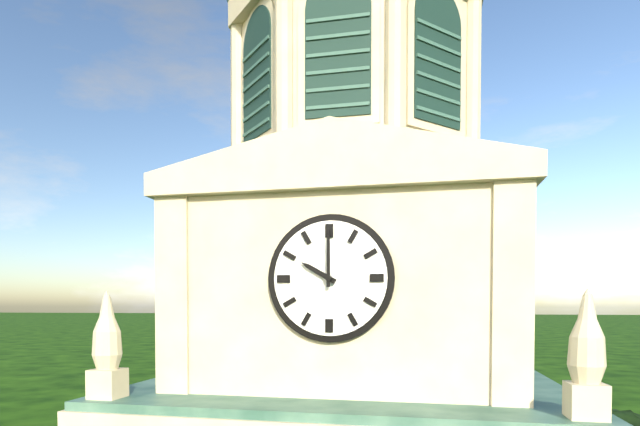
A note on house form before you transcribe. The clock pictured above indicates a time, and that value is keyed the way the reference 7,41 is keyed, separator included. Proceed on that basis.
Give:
10,00
